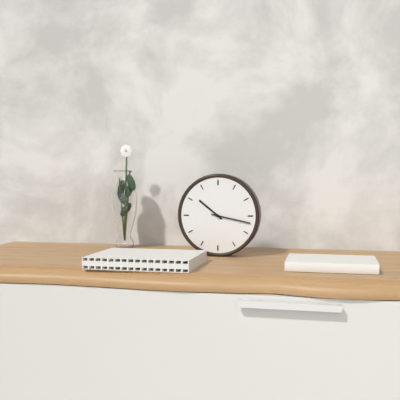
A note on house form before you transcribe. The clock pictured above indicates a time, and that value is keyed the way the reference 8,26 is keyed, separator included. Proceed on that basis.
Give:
10,17
